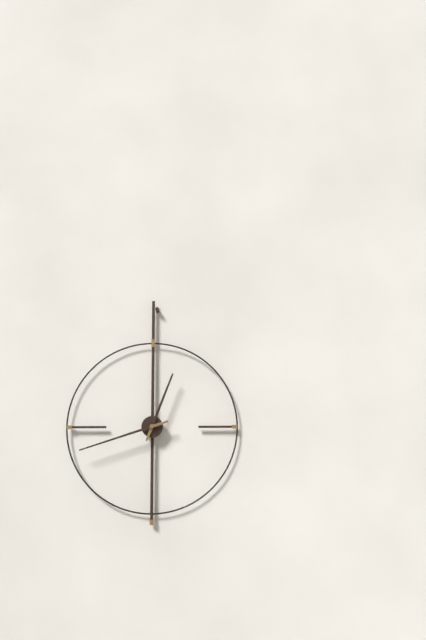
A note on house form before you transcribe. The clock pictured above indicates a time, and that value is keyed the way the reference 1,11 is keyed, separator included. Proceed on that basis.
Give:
12,42
